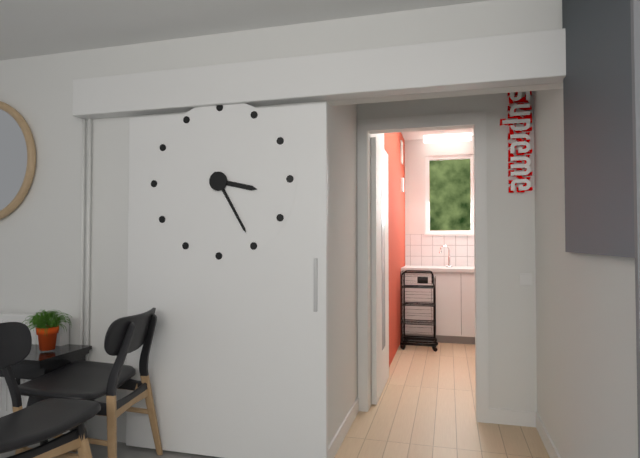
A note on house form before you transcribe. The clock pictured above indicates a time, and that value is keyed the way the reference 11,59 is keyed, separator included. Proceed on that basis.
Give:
3,25
